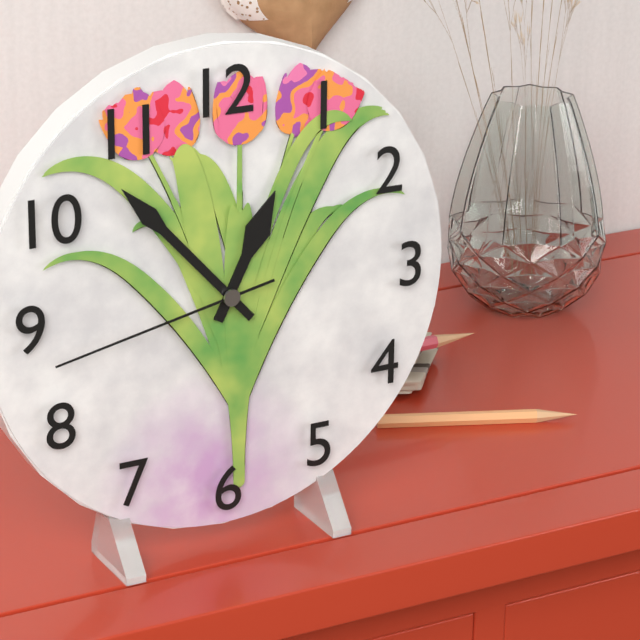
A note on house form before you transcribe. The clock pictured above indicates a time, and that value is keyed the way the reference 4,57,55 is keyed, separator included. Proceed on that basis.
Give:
12,53,43
